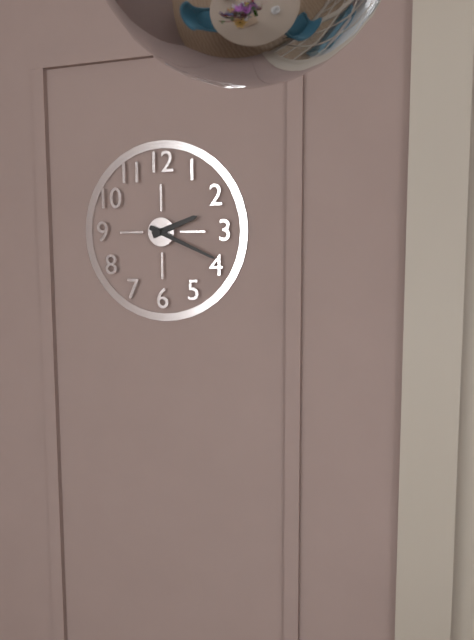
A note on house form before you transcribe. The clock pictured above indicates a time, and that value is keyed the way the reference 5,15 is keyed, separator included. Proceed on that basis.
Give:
2,19
